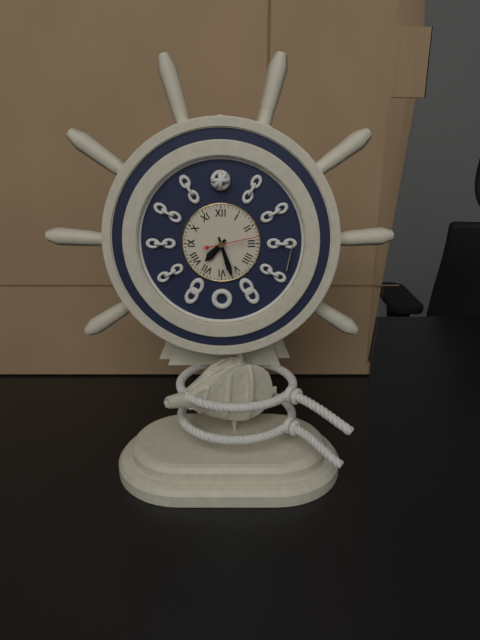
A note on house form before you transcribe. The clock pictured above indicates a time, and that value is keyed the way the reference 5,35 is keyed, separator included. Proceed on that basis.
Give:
7,27
